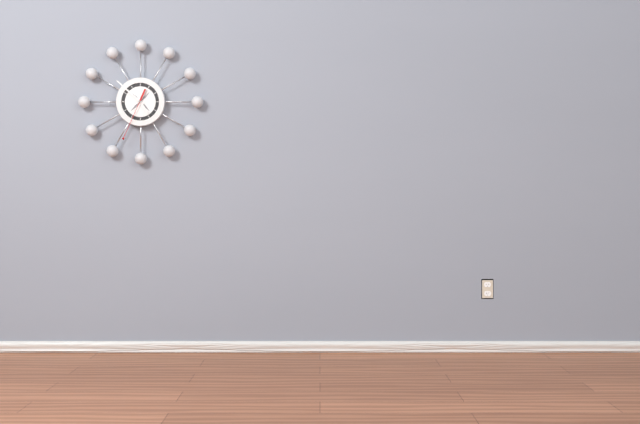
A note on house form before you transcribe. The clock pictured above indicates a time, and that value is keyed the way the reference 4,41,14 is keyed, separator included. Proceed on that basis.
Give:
4,52,34
